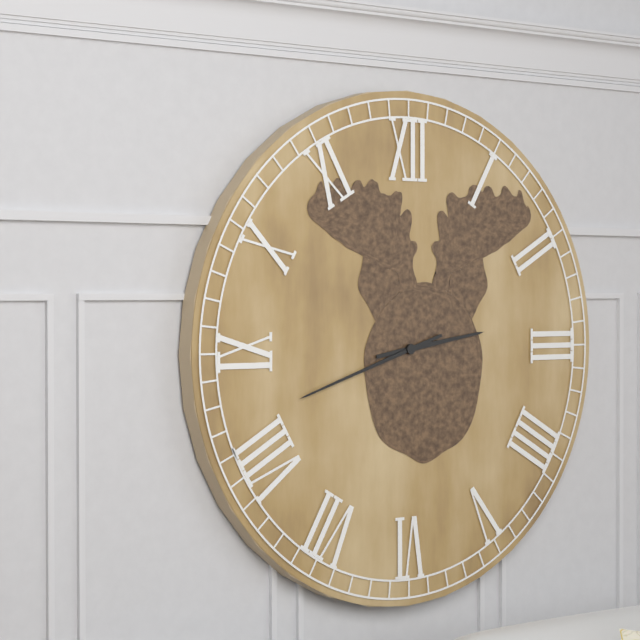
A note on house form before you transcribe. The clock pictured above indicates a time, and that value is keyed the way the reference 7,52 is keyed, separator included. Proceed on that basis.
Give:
2,42
